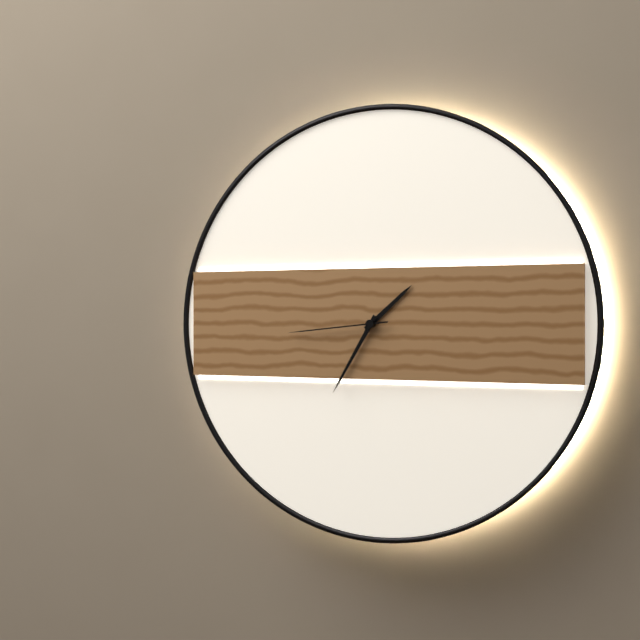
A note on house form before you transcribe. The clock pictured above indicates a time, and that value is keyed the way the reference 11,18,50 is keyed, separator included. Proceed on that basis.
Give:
1,35,44
